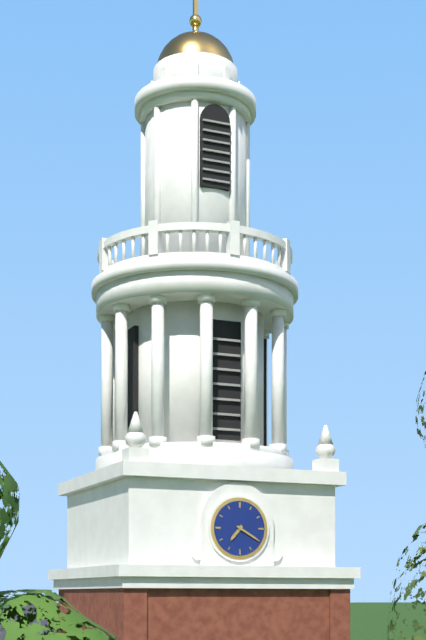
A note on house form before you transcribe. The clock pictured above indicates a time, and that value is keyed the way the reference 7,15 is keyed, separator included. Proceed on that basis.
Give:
7,20
